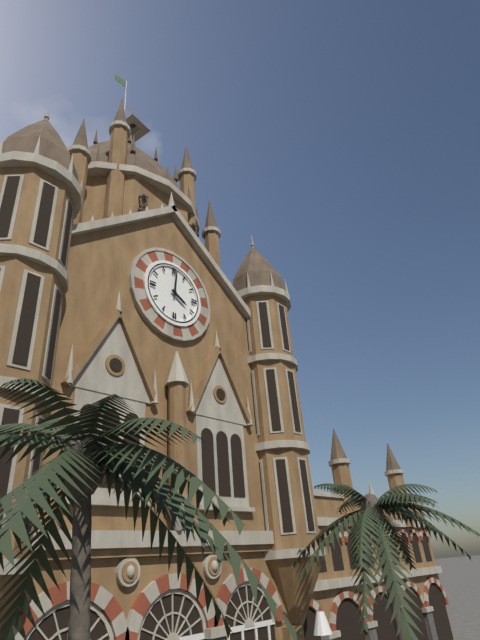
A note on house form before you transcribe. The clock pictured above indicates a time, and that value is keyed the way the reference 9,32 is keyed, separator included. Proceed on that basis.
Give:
4,01
